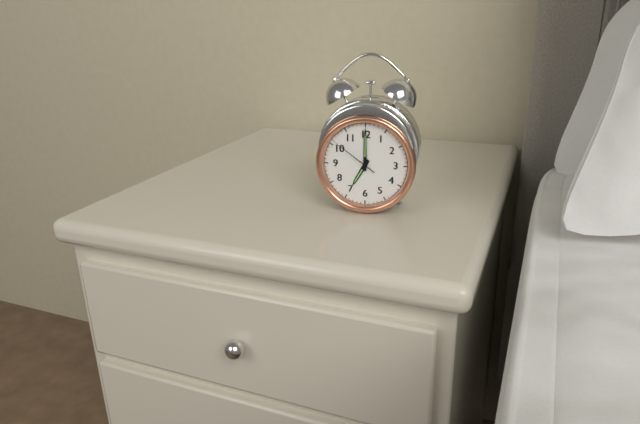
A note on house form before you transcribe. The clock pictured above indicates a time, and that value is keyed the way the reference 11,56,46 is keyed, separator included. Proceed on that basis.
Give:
7,00,51
